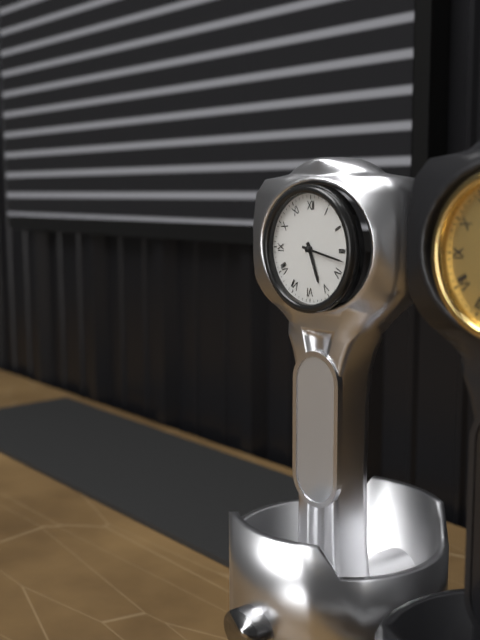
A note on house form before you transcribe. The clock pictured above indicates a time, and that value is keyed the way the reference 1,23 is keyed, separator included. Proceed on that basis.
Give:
5,17
